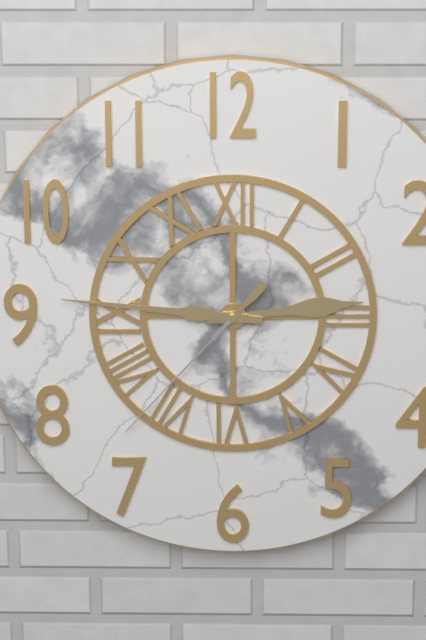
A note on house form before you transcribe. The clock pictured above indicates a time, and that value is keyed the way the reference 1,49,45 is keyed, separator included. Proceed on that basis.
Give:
2,46,37
